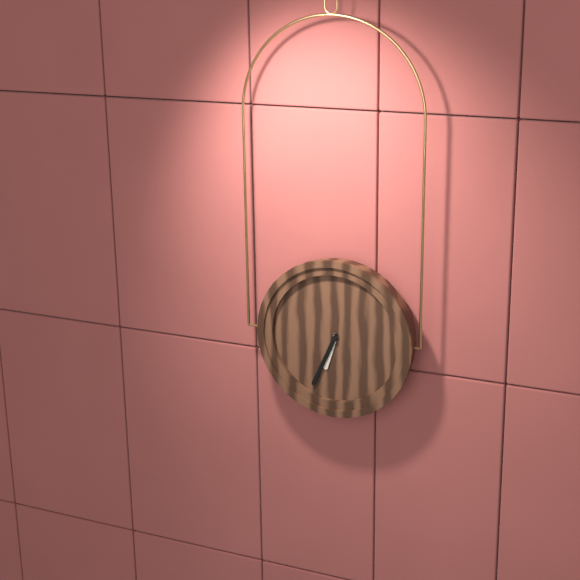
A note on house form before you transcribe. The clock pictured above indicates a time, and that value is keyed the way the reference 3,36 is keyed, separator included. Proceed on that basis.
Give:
6,34
